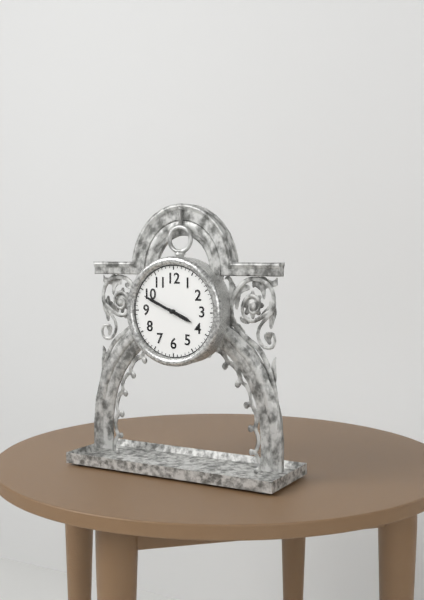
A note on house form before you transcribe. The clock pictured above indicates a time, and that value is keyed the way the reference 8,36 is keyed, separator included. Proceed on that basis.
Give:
3,49
